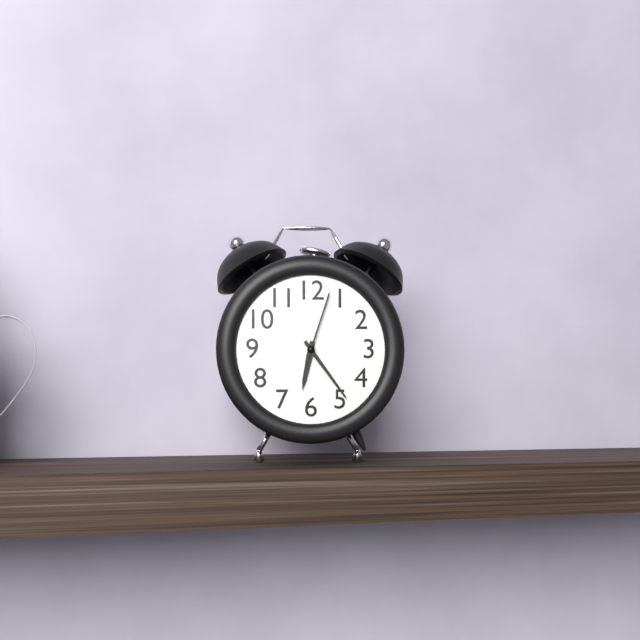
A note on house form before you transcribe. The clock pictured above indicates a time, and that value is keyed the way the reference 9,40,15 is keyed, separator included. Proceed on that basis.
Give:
6,24,03
